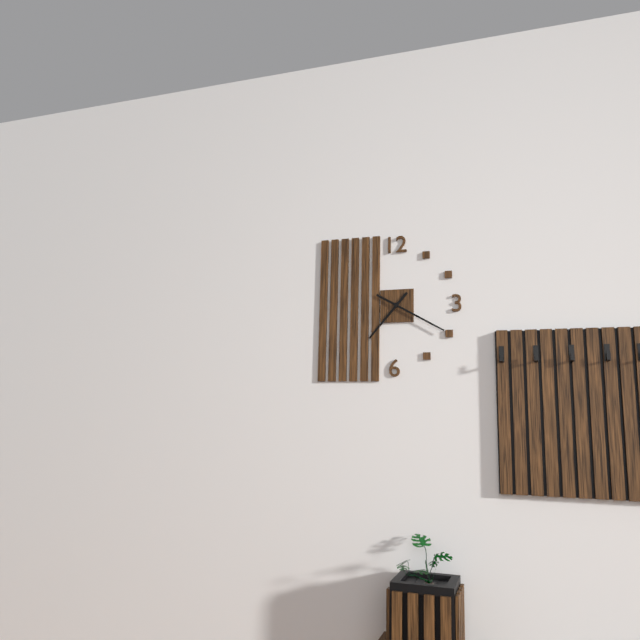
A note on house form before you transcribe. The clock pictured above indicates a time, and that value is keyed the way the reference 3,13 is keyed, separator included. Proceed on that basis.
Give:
7,20
